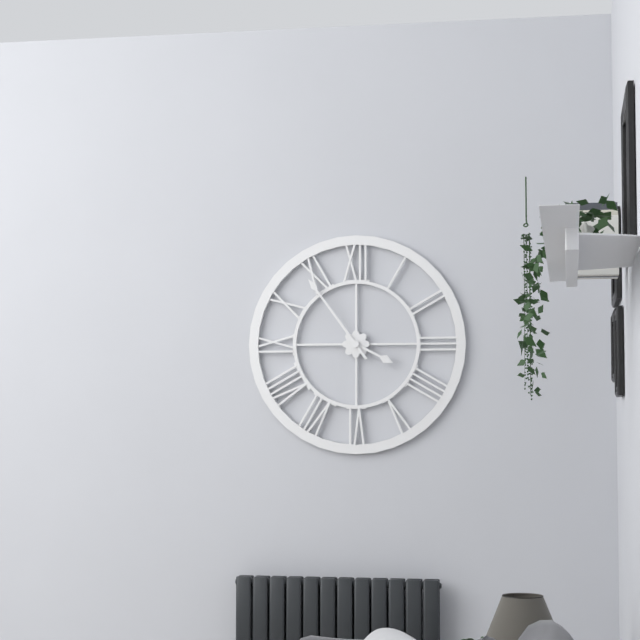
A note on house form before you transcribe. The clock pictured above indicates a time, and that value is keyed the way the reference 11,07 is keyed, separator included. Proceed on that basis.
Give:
3,54
